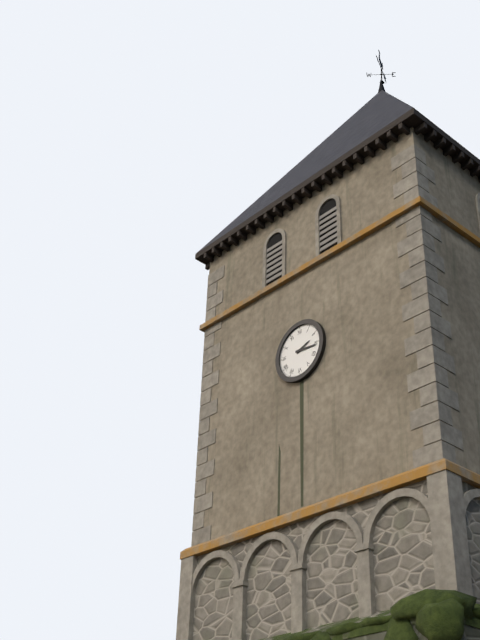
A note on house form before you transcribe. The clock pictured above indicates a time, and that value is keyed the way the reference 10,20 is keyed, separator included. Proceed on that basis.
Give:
2,16
